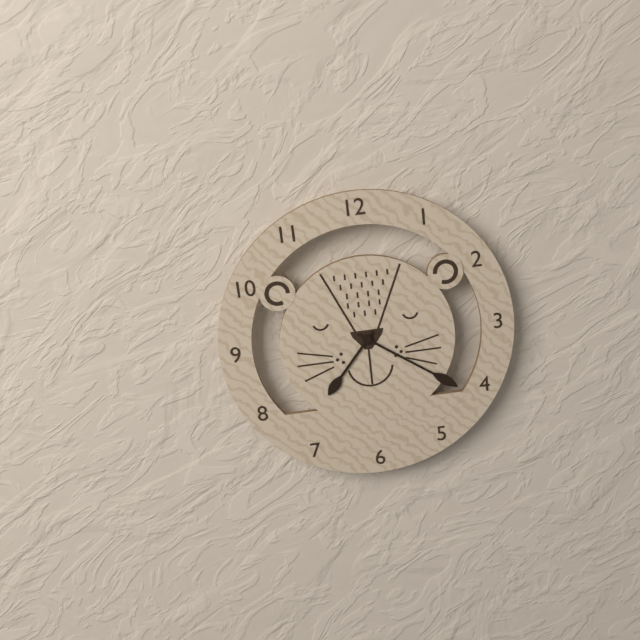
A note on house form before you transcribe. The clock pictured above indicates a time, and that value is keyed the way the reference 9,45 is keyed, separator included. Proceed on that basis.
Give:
7,21
